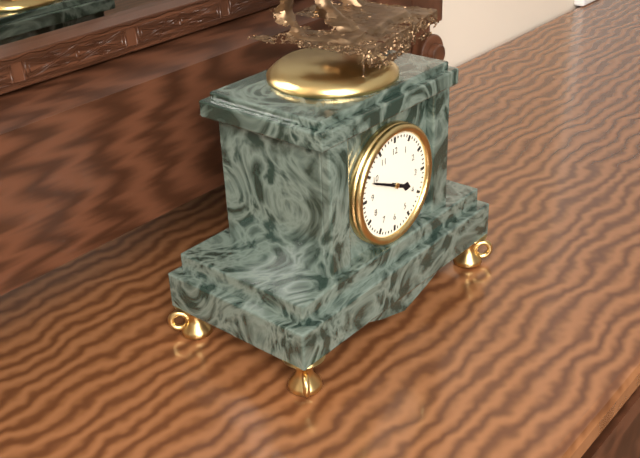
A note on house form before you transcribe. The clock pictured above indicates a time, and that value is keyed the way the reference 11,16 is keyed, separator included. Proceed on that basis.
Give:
3,49
